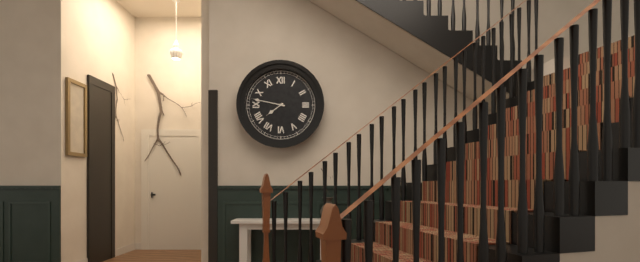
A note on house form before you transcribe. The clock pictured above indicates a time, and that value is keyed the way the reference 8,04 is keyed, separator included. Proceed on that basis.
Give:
7,47
